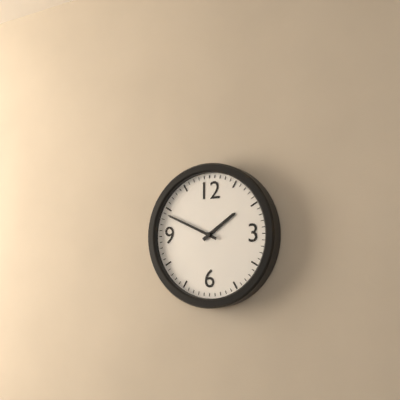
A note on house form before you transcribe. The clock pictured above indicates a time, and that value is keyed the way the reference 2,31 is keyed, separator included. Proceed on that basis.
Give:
1,49
